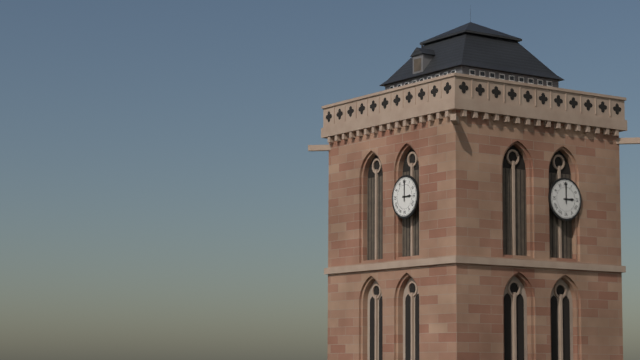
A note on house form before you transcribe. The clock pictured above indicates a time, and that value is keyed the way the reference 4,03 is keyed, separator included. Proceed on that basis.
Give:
3,00
